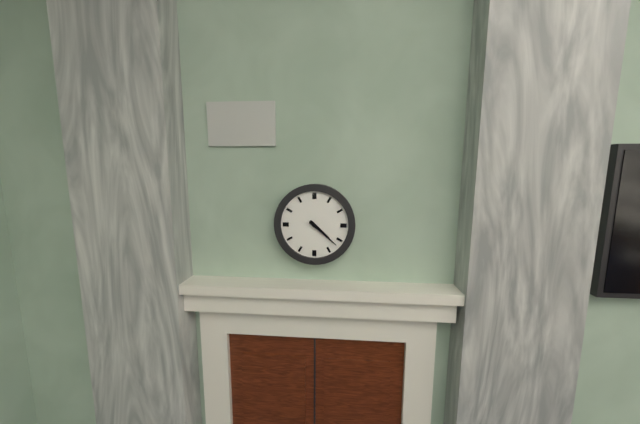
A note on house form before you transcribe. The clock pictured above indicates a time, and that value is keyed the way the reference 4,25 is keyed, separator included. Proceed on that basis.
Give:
4,22
